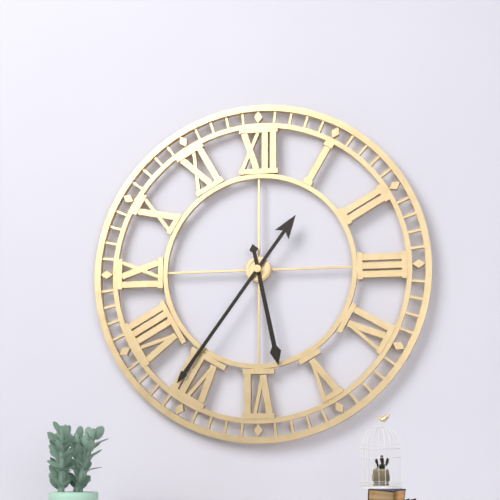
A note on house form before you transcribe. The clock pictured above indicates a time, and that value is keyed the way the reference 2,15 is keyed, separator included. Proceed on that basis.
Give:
5,36
